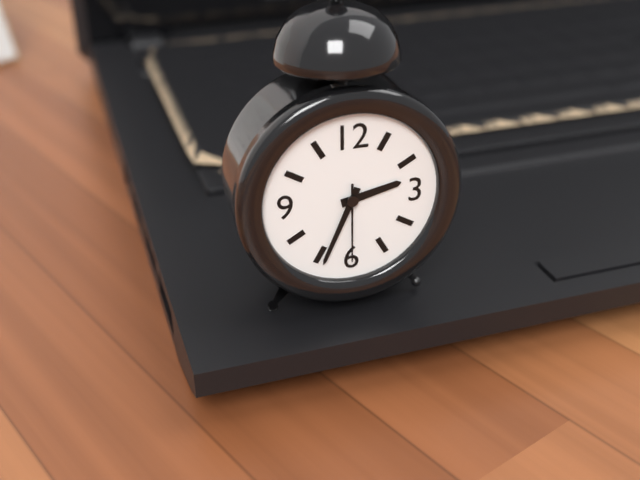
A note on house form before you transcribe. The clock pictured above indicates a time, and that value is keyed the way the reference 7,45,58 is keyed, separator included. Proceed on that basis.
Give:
2,34,30
